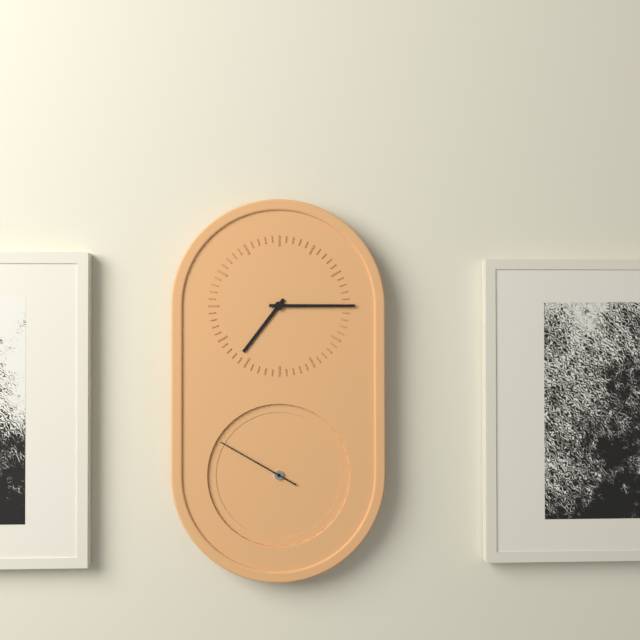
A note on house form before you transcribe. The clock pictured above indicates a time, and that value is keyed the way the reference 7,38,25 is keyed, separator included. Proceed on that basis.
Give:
7,15,50
